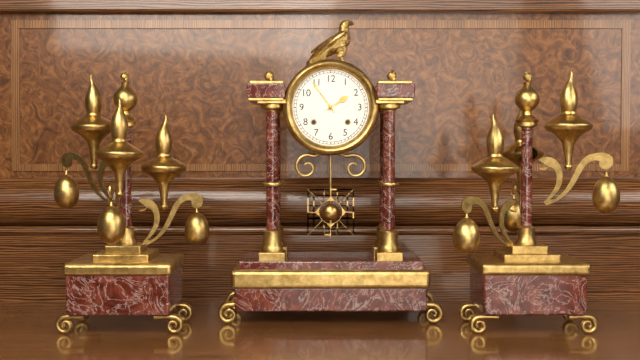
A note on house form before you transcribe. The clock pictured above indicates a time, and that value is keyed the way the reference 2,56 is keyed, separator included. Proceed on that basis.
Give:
1,54
